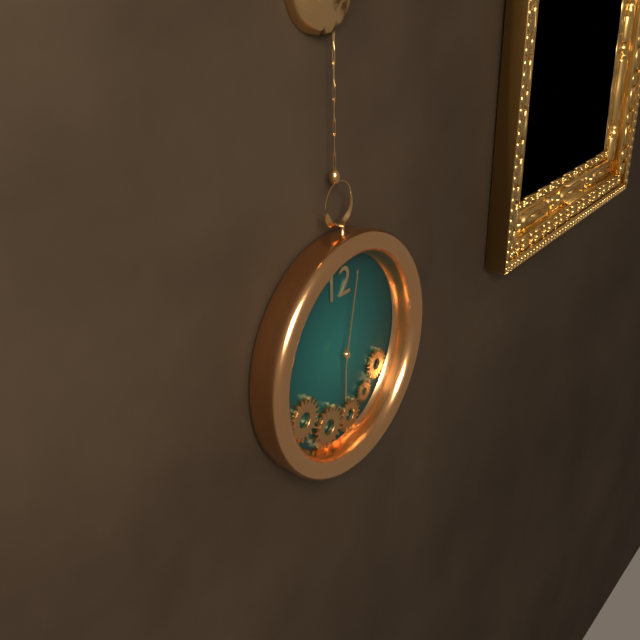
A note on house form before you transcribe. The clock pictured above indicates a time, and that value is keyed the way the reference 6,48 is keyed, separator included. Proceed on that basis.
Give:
6,02
